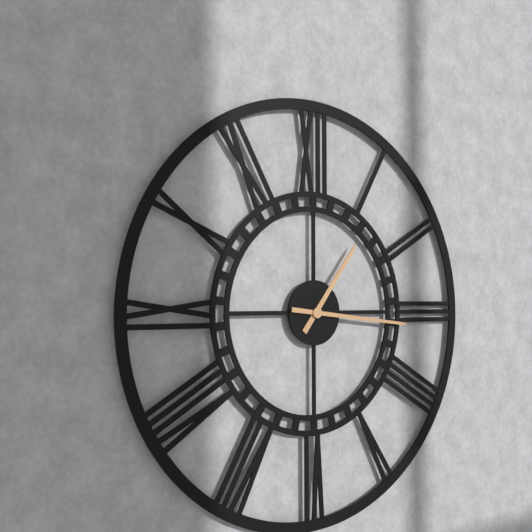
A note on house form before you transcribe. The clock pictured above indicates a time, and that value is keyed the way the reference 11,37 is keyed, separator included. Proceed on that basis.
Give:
1,16
